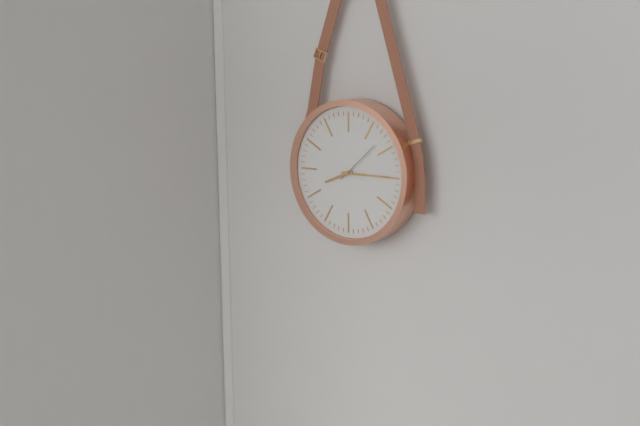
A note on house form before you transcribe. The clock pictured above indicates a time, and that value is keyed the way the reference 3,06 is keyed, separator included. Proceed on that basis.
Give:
8,15
